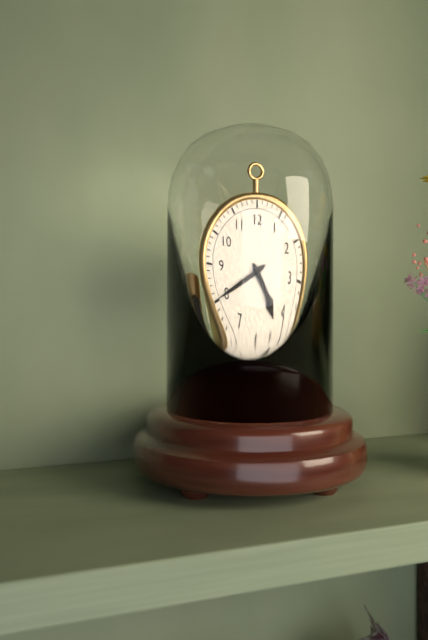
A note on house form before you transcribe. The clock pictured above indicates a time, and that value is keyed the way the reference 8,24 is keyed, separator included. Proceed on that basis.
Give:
4,40
